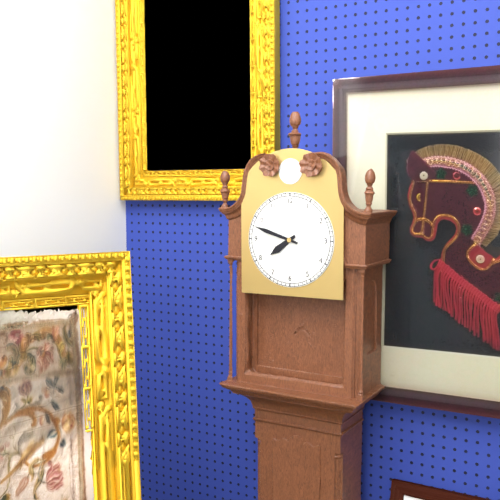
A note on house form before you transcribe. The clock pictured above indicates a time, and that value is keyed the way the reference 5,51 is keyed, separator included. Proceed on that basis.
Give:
7,48
